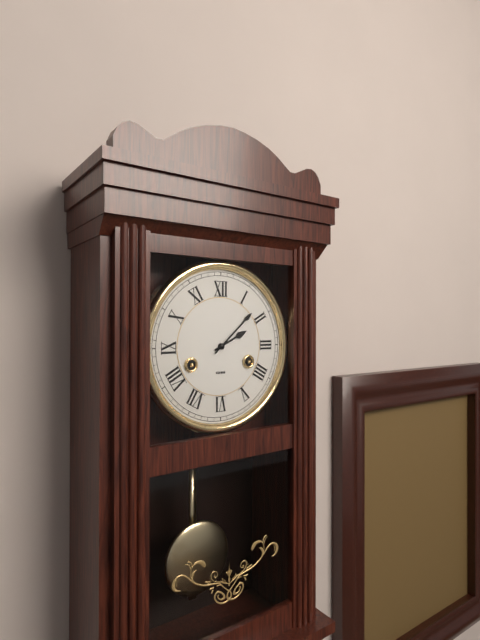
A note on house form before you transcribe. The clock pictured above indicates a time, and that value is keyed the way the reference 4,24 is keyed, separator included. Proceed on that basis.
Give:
2,08
